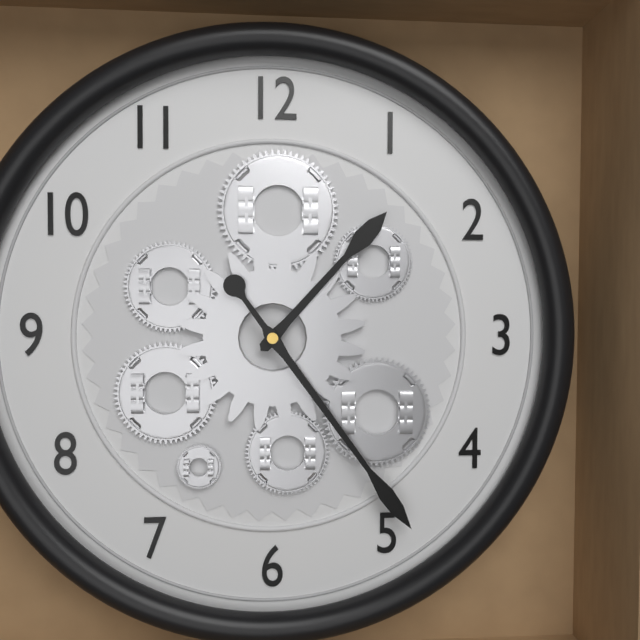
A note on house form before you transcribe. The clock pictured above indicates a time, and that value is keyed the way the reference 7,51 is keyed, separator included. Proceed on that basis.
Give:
1,24
